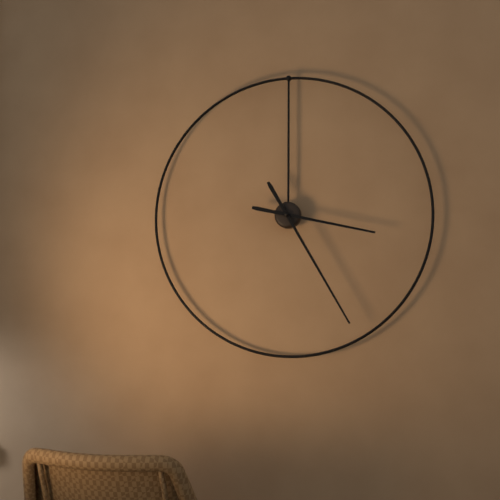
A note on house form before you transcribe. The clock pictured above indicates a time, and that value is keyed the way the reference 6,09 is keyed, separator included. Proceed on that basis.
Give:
3,25
